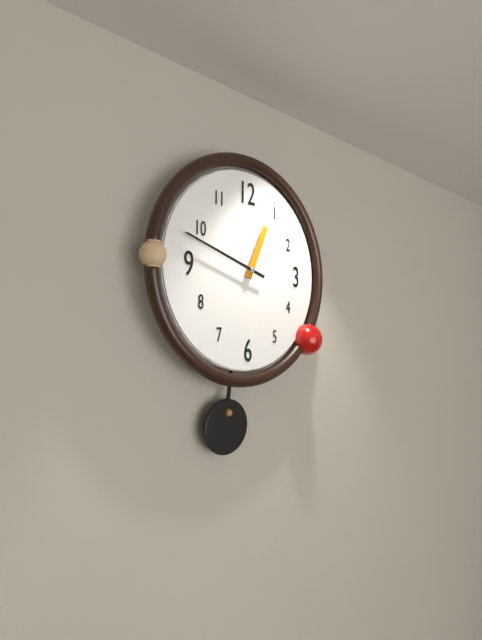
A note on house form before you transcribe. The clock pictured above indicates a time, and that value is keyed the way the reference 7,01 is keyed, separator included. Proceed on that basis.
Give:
12,48
